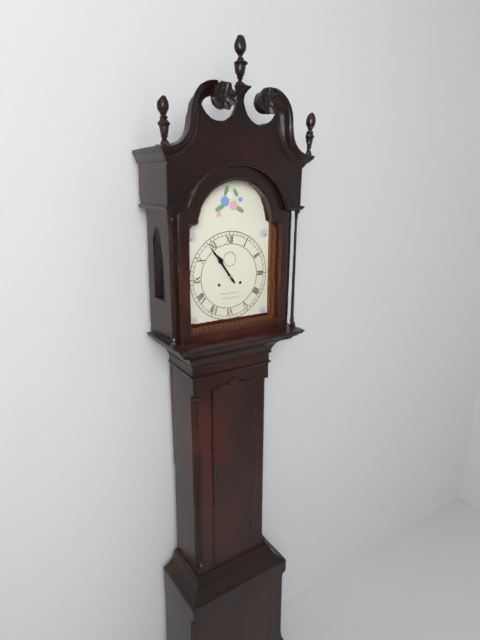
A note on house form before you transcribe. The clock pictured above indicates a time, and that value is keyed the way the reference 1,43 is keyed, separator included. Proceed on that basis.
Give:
10,54
